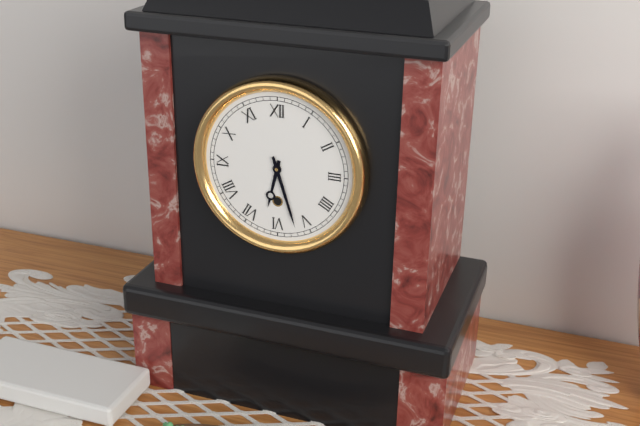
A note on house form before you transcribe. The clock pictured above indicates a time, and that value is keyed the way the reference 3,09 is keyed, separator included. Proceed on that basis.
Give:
6,27
